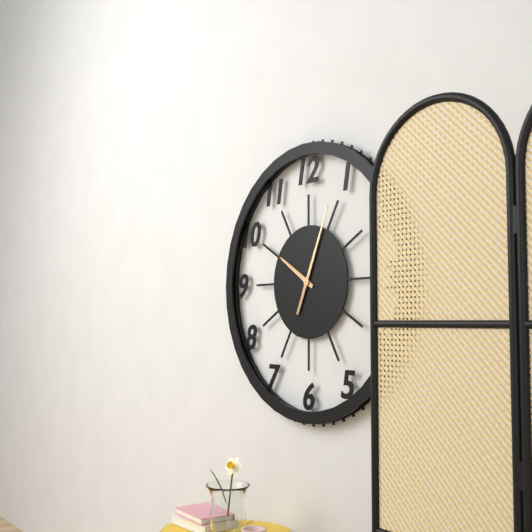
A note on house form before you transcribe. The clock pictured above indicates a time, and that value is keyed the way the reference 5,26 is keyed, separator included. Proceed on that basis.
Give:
10,04
